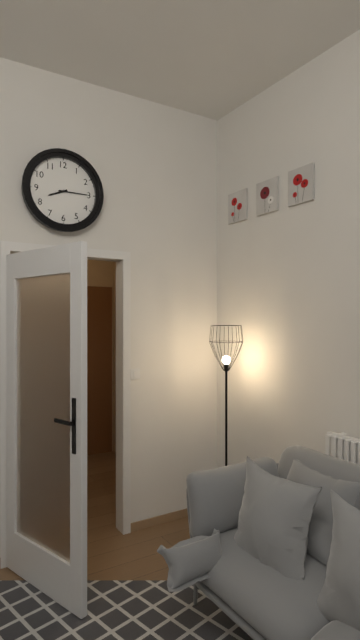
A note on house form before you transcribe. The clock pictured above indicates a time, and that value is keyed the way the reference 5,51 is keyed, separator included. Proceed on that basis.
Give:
8,15
